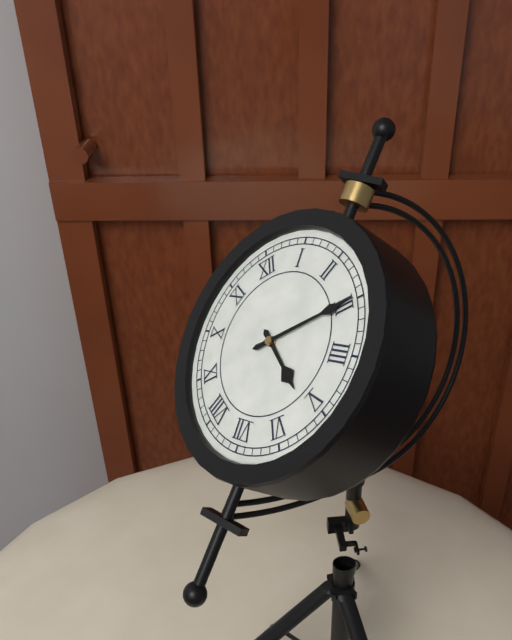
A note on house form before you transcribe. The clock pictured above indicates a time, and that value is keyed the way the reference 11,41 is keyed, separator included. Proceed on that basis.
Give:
5,15
